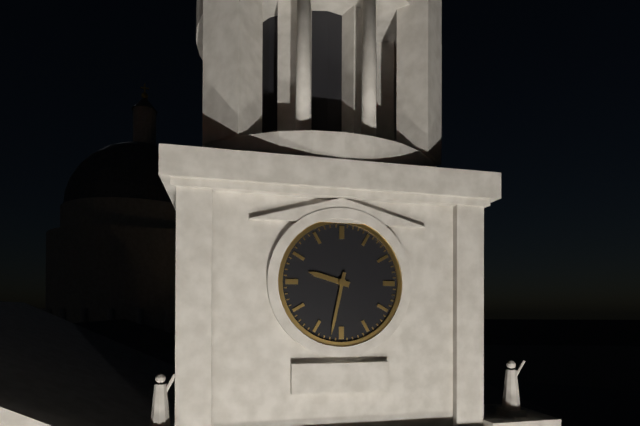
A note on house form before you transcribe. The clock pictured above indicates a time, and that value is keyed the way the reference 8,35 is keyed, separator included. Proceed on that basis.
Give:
9,32
